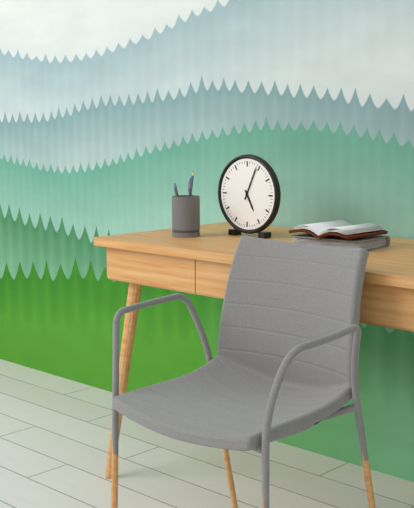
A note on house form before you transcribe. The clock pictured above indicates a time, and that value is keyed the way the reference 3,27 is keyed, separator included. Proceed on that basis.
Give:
5,04
